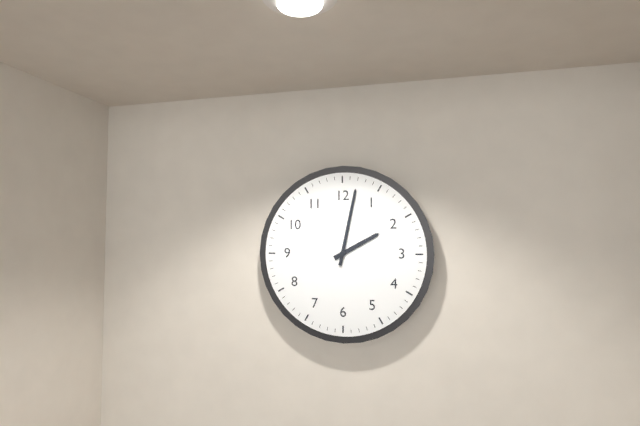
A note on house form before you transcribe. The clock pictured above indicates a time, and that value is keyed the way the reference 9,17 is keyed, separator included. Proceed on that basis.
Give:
2,02
